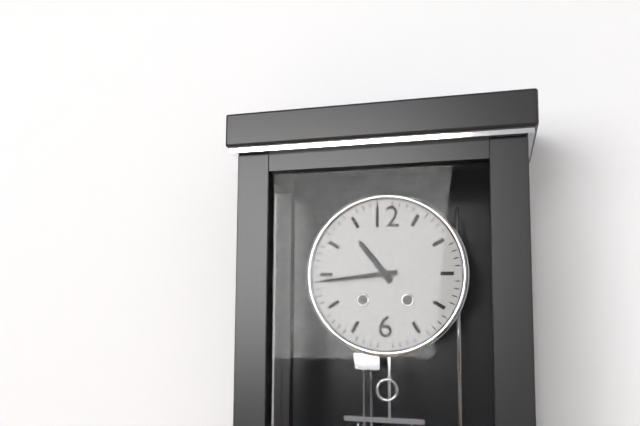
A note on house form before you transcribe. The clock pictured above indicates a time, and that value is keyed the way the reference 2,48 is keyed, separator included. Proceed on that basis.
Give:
10,44
